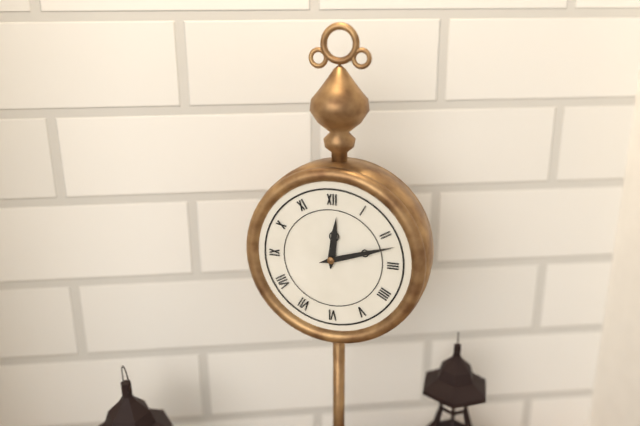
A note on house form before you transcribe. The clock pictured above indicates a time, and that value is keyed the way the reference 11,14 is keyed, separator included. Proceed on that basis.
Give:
12,12
